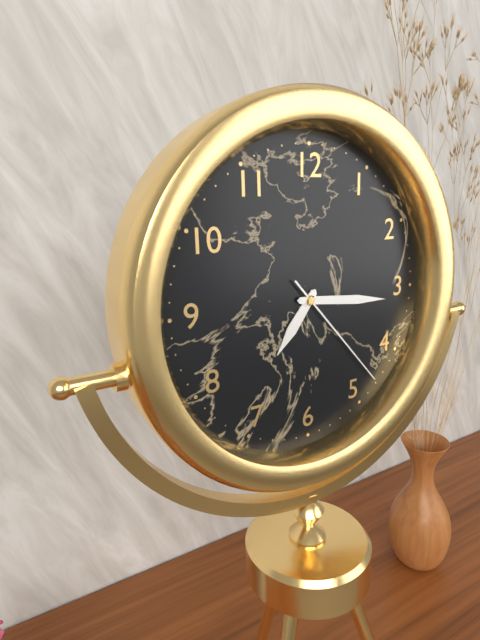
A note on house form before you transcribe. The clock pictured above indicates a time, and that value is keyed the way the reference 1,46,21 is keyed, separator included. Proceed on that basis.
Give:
7,16,23
